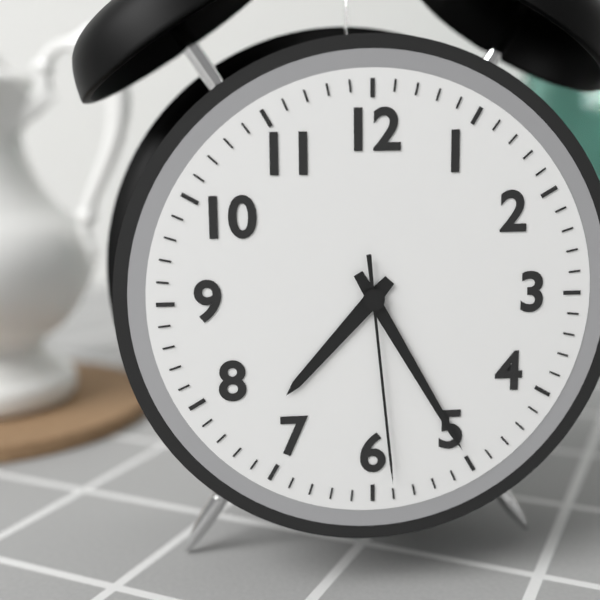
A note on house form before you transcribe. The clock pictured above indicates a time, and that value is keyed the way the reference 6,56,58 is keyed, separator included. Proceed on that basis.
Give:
7,25,29
